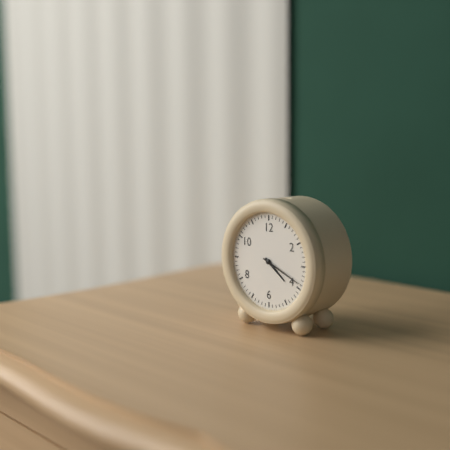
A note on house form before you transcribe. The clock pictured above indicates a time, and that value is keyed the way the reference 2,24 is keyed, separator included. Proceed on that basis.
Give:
4,19
